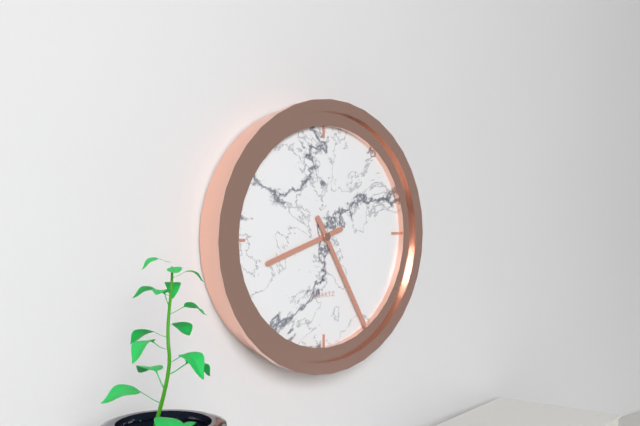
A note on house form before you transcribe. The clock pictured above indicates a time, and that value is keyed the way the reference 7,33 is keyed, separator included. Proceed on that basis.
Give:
8,25
